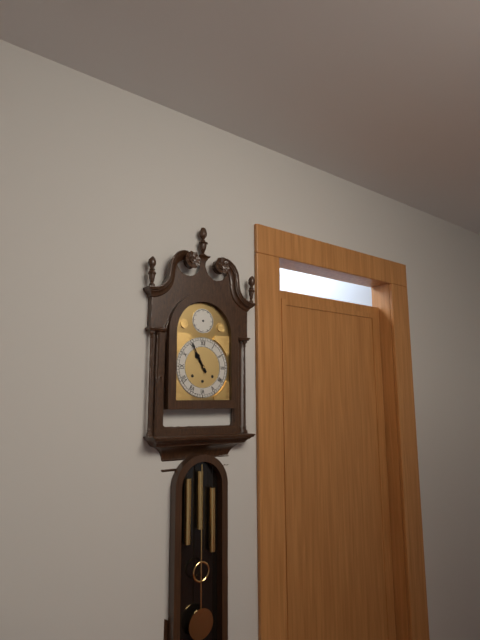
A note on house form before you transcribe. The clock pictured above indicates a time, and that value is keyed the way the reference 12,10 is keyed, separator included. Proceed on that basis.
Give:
10,55
